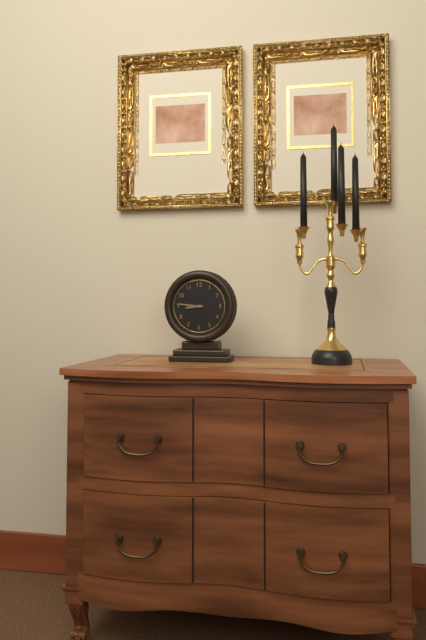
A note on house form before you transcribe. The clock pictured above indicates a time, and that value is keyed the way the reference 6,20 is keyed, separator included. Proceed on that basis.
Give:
8,46
